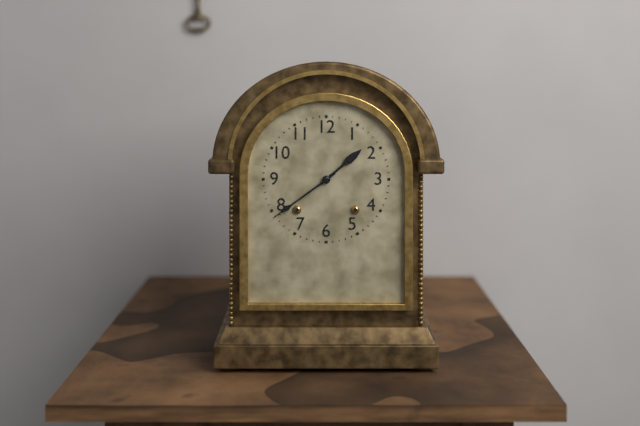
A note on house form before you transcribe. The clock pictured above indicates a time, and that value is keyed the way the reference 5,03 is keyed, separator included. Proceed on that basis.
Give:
1,39
